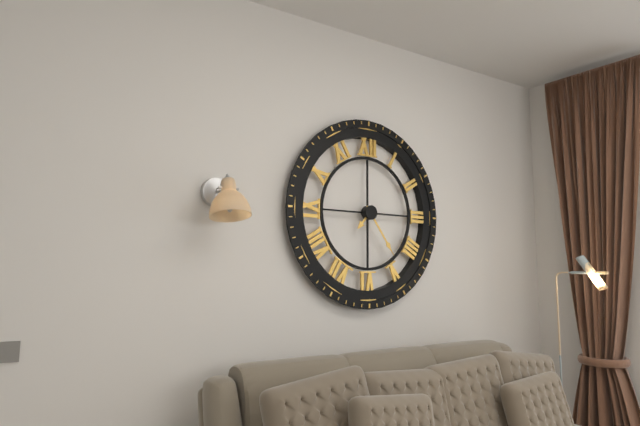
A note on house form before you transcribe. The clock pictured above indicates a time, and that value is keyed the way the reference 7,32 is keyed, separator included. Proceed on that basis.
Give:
7,24
